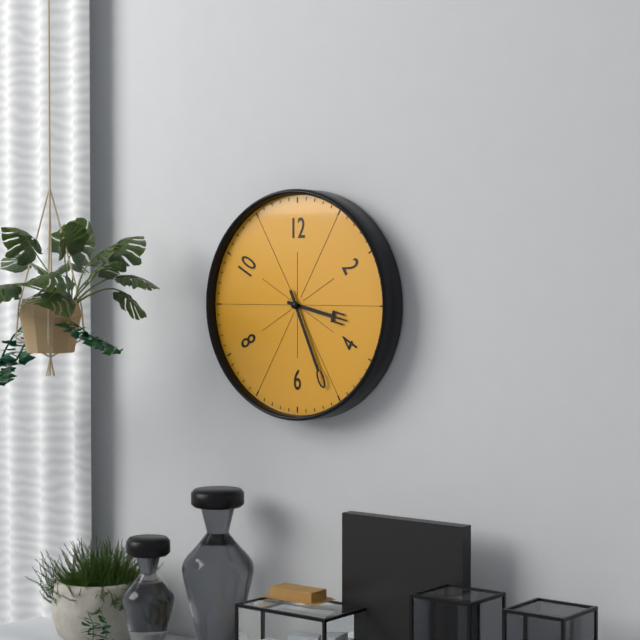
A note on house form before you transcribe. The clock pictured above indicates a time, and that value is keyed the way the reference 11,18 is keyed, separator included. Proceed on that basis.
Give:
3,26
